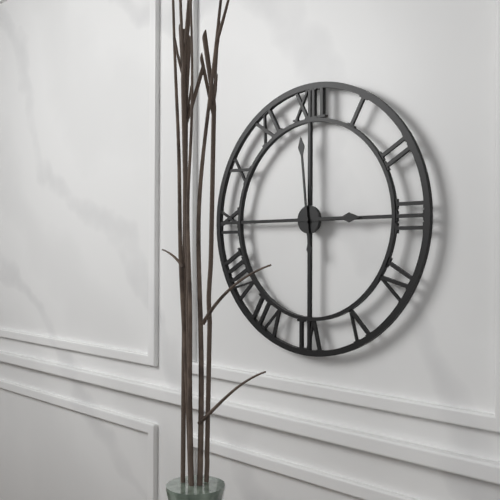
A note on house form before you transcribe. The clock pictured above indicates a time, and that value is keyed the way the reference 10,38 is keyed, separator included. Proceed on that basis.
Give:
2,59
